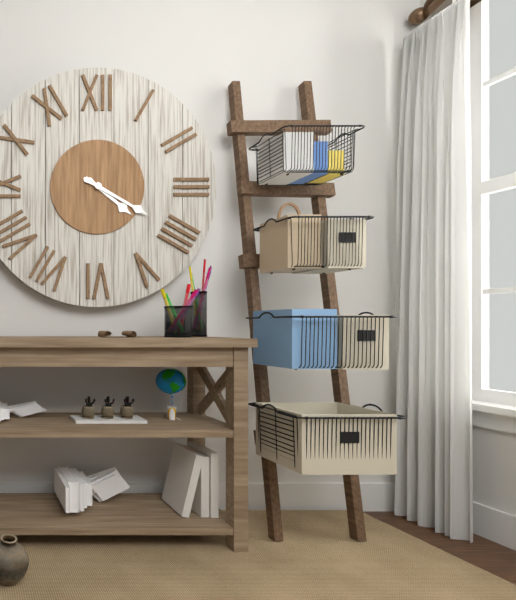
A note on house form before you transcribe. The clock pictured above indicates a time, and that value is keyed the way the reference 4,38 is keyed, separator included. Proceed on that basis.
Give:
4,20
